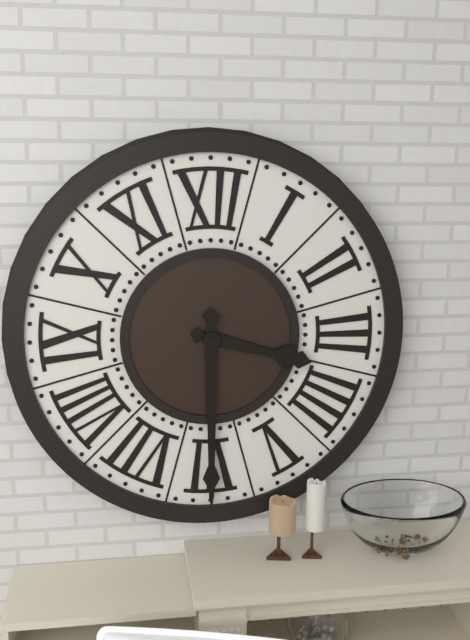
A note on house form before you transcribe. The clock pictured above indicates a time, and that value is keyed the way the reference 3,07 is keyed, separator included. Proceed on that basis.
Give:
3,30
